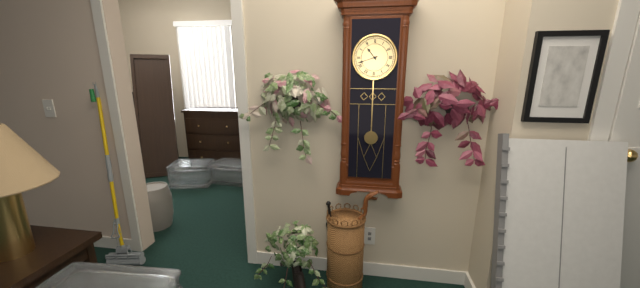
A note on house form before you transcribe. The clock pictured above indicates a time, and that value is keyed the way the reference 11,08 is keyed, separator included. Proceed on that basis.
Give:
10,42
